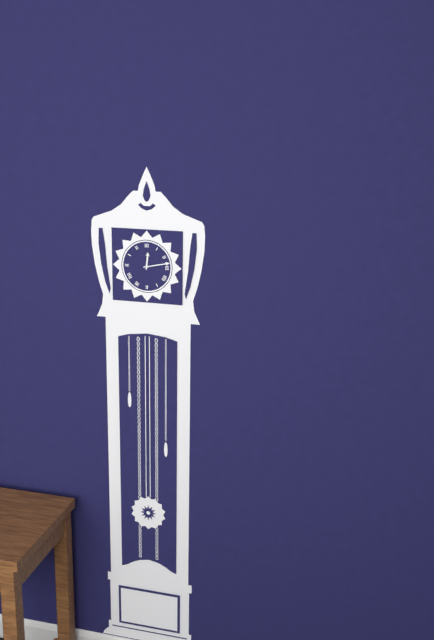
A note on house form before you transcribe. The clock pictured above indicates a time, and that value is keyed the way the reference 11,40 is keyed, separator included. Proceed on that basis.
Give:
12,13
